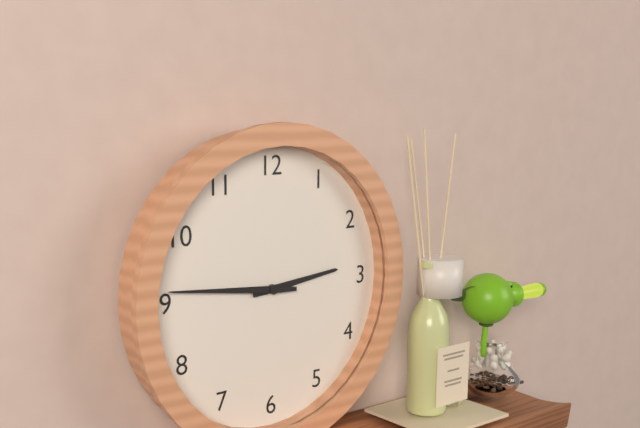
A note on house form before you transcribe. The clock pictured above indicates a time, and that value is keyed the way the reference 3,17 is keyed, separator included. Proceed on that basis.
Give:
2,46
